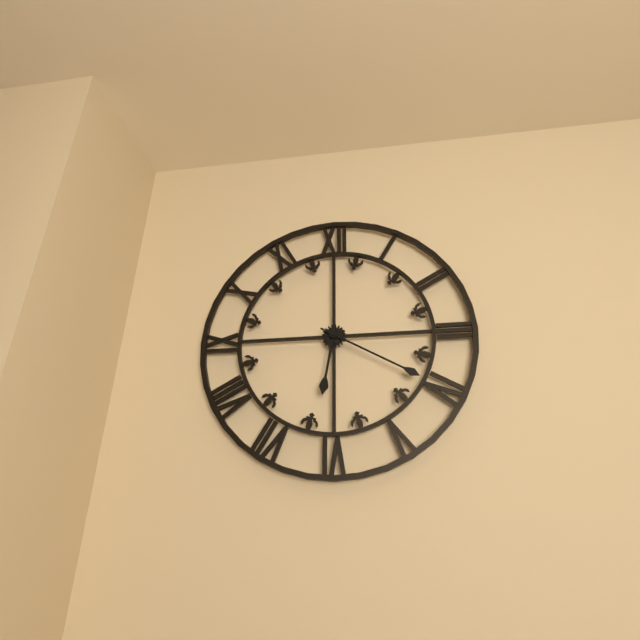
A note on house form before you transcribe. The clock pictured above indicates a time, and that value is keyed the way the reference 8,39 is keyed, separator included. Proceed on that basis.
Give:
6,20
